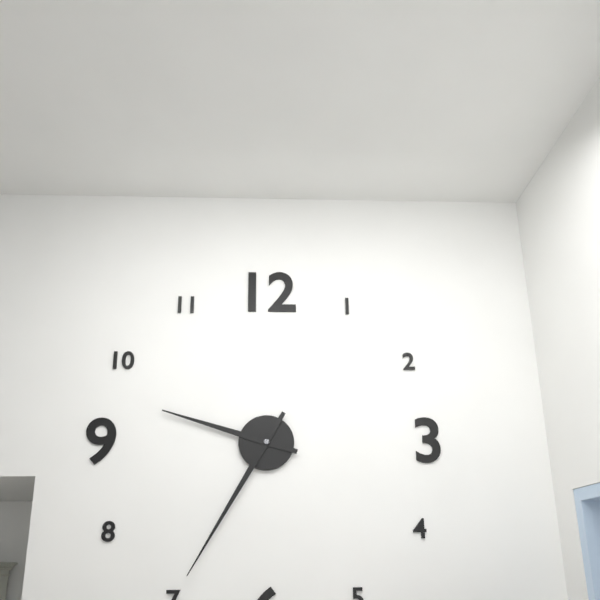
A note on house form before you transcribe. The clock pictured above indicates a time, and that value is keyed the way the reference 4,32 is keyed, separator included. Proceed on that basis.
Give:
9,35
